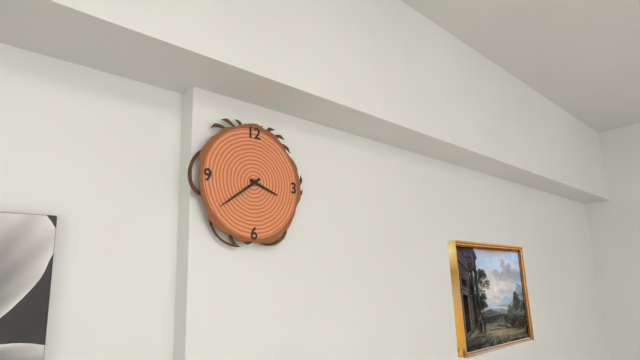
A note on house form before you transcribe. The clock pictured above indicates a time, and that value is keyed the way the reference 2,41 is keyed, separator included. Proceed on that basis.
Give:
3,39
